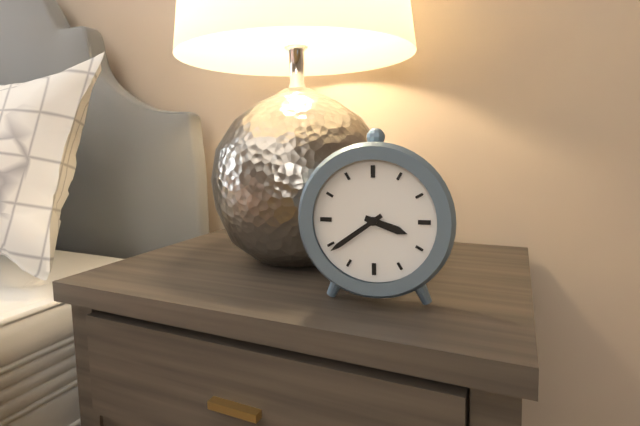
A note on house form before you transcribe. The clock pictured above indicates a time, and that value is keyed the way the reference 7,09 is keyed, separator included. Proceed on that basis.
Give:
3,39
